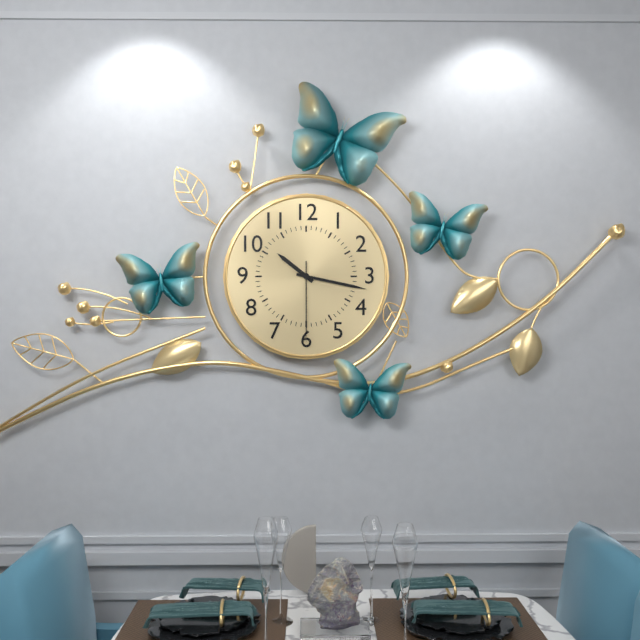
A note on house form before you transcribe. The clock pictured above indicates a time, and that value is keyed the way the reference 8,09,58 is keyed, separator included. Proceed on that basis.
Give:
10,17,30
